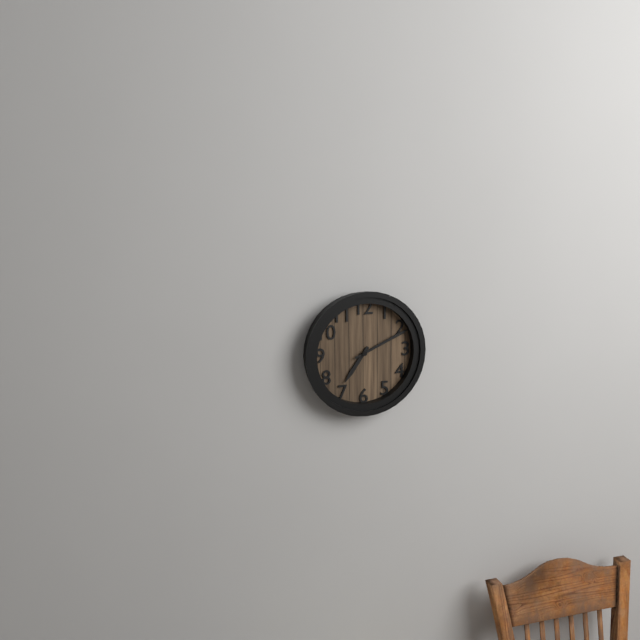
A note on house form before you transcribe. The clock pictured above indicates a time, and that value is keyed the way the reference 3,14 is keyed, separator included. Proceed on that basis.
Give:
7,11
